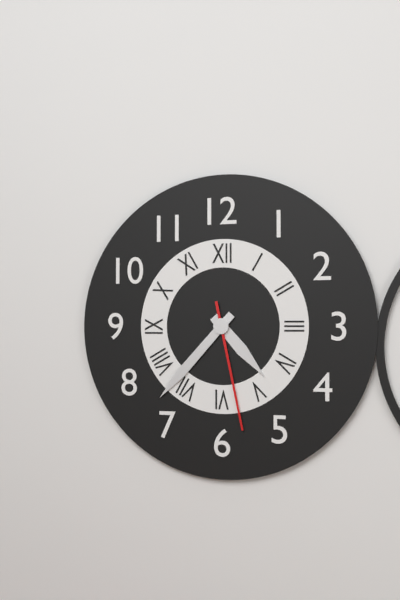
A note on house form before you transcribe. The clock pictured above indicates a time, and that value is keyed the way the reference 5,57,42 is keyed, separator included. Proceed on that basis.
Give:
4,37,28
